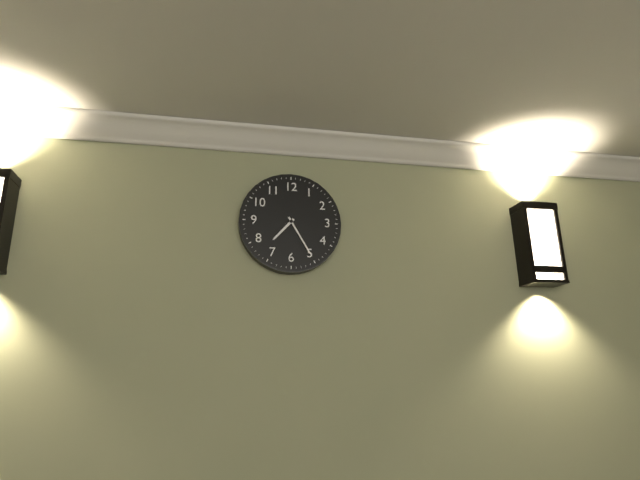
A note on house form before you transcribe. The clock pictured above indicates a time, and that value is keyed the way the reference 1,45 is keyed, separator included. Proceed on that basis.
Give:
7,25
